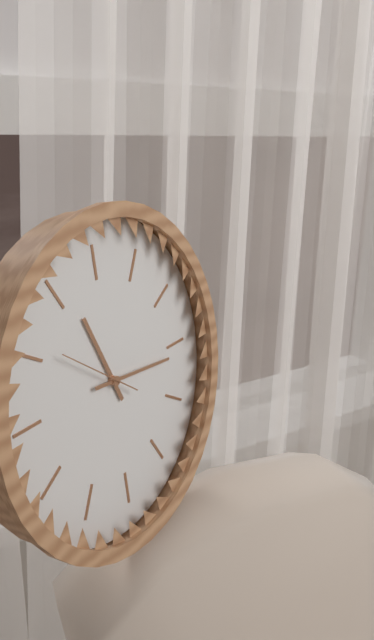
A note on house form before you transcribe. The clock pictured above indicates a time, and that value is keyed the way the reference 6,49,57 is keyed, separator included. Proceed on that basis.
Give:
11,16,51
